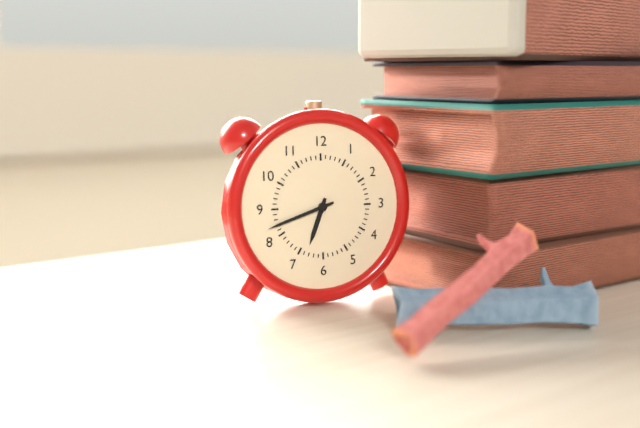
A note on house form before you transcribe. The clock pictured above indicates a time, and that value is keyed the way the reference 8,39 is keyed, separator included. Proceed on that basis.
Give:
6,42
